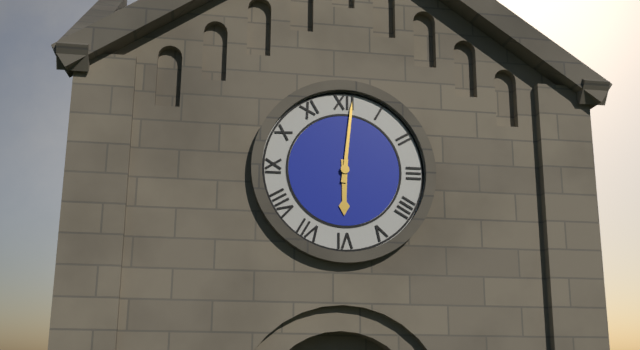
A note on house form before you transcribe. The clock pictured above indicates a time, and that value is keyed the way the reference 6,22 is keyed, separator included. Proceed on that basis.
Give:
6,01
